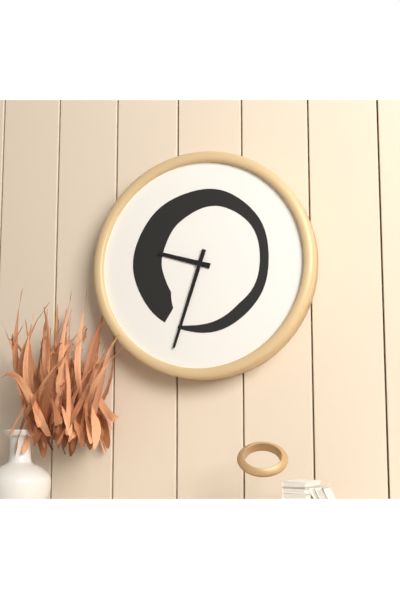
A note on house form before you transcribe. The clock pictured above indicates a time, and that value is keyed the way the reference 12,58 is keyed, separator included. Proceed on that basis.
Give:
9,33
